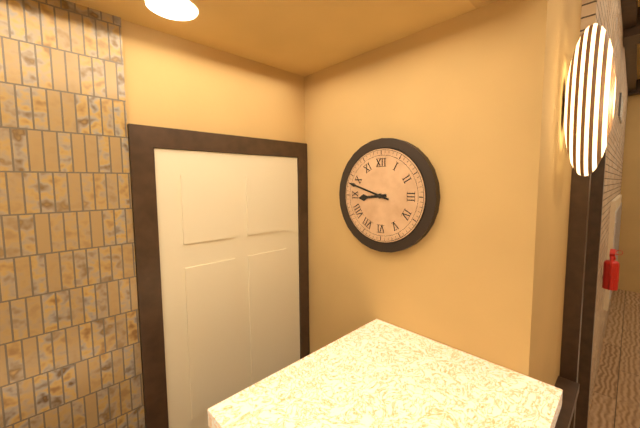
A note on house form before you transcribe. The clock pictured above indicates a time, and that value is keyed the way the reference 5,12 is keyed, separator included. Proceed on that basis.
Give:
8,48
